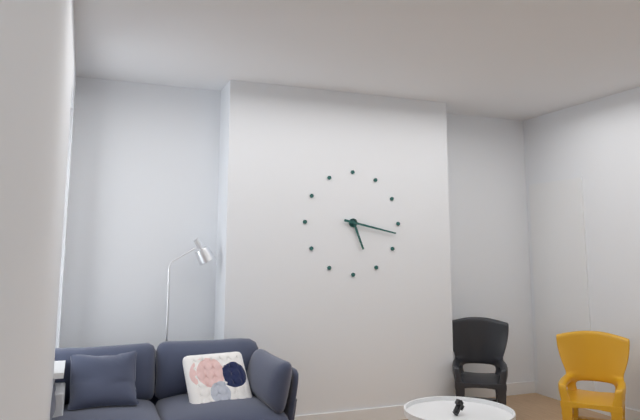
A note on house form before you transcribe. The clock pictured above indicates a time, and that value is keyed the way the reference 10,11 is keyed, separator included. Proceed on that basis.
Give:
5,17
